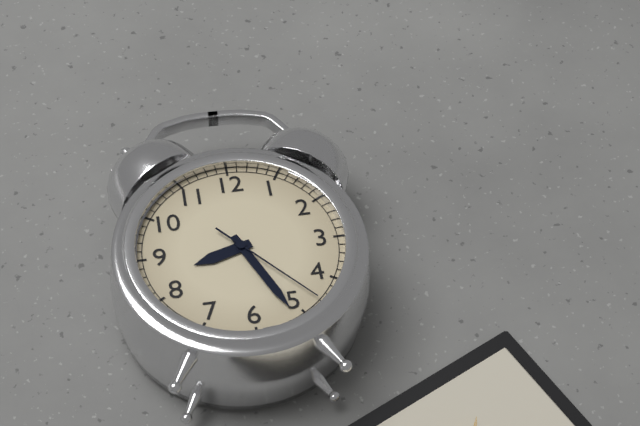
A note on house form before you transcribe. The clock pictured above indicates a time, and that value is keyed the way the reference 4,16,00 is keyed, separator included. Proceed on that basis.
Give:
8,26,23
